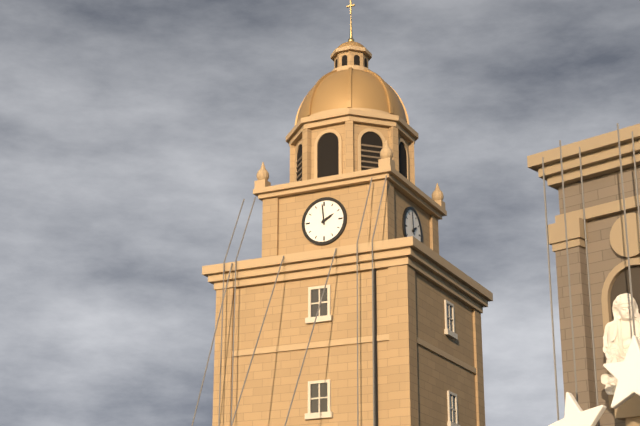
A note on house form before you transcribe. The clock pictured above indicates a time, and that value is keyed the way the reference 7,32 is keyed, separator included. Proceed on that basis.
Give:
1,59
